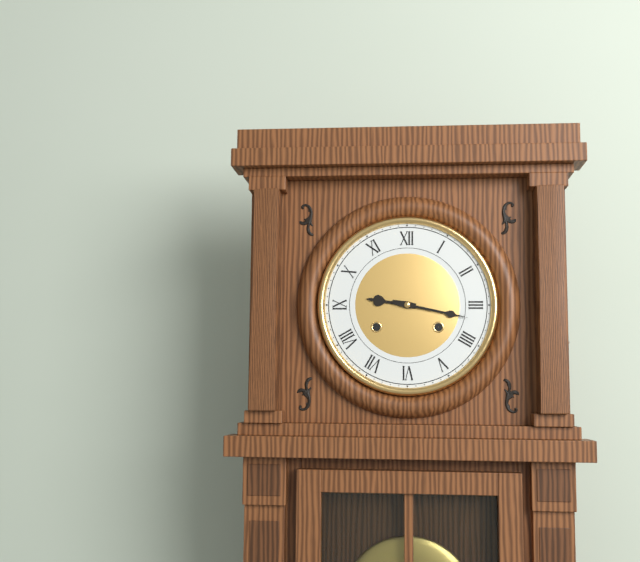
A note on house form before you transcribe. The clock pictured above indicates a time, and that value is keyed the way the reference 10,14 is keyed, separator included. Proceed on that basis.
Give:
9,17
